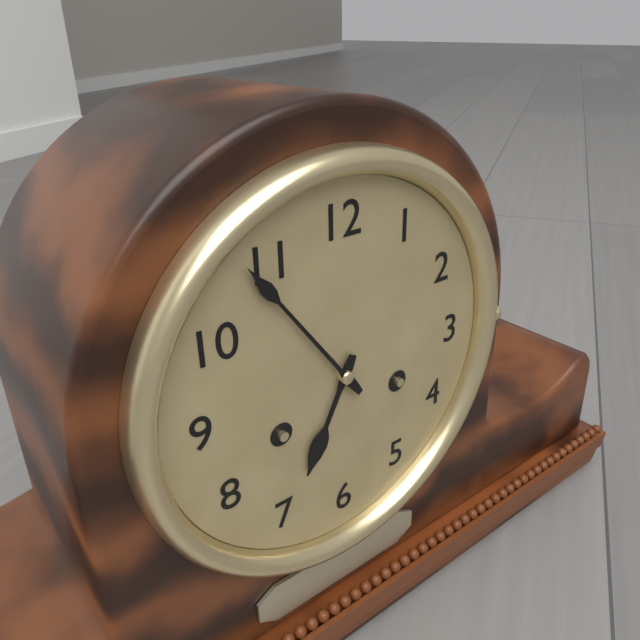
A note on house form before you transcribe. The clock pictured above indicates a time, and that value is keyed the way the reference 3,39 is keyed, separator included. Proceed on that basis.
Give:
6,54
